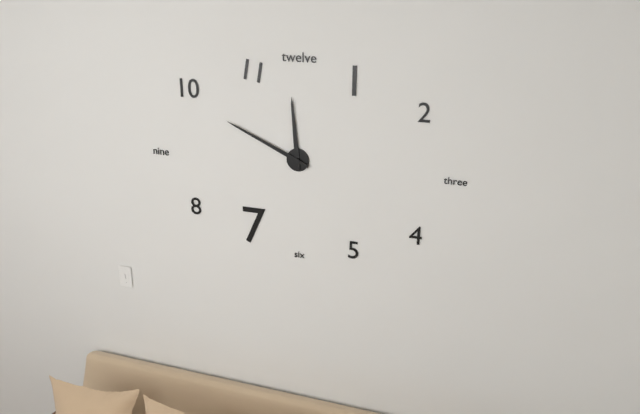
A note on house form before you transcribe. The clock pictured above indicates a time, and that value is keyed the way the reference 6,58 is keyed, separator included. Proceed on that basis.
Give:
11,49
